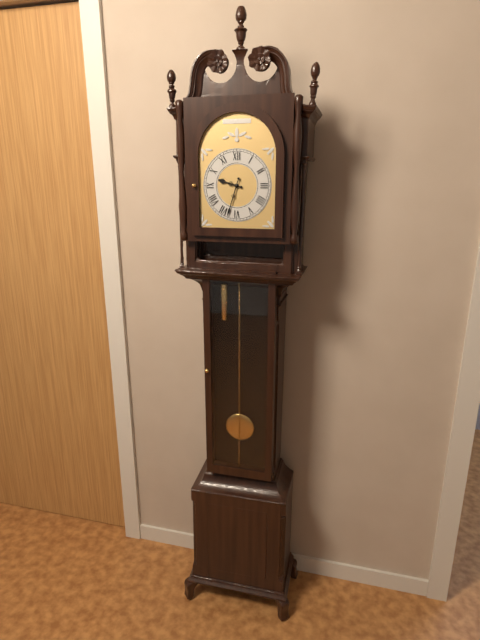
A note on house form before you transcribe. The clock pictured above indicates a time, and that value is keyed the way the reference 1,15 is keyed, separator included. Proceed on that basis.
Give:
9,33
